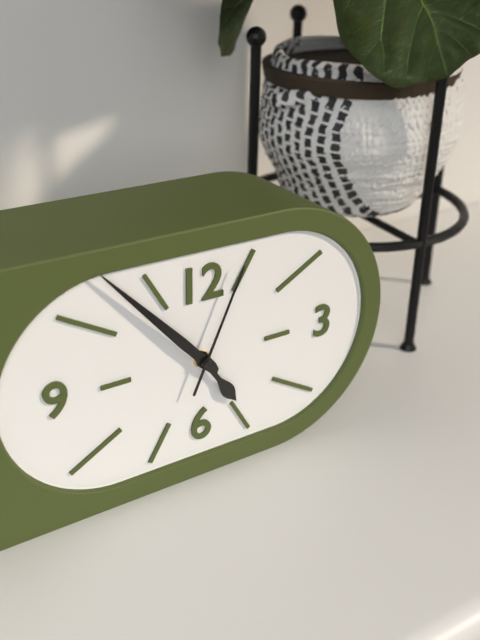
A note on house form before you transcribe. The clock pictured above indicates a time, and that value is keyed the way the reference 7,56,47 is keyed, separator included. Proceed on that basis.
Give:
4,53,04
